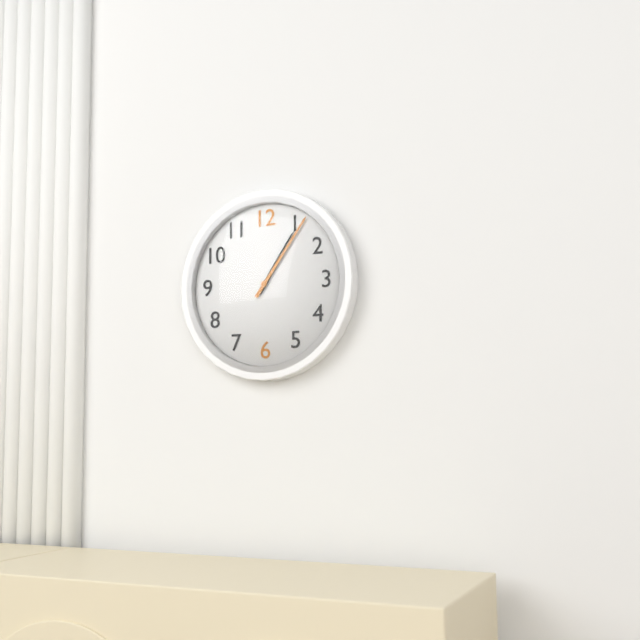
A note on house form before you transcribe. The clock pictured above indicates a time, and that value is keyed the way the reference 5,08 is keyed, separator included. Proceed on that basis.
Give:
1,06
